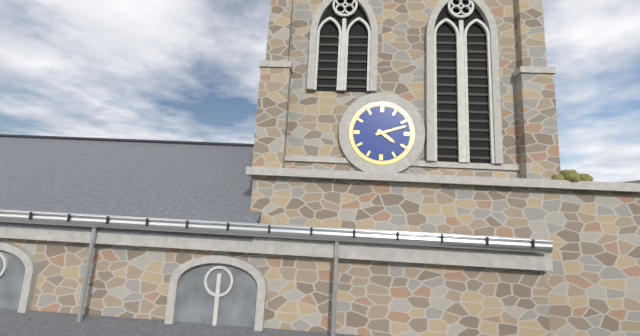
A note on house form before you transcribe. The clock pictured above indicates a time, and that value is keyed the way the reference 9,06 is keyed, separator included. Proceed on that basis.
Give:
4,12
